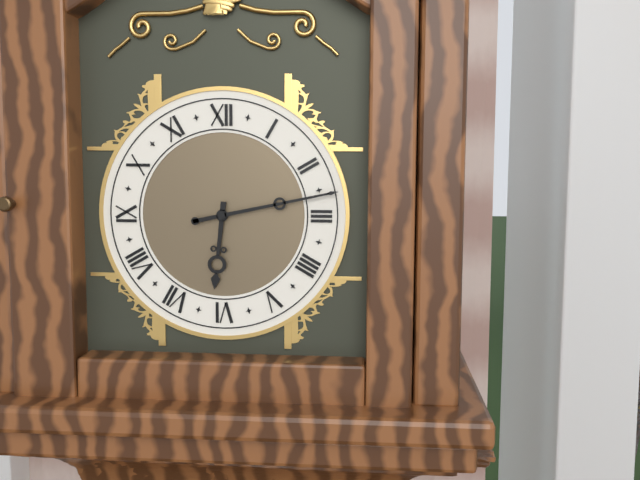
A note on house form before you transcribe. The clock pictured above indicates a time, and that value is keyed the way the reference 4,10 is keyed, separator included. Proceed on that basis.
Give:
6,13
